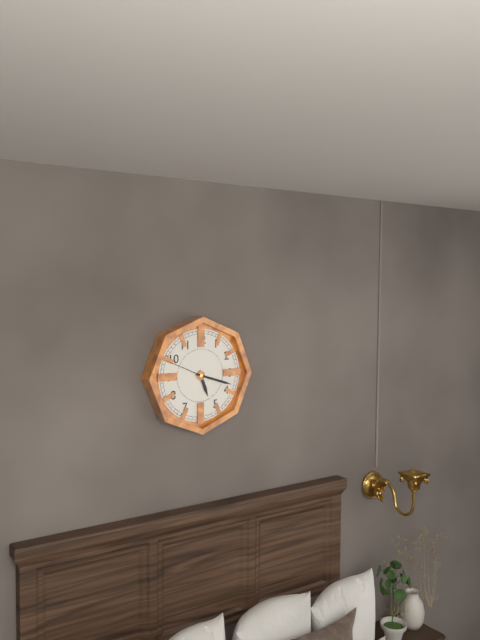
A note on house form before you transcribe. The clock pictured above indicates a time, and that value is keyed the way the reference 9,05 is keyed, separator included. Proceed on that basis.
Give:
5,18
